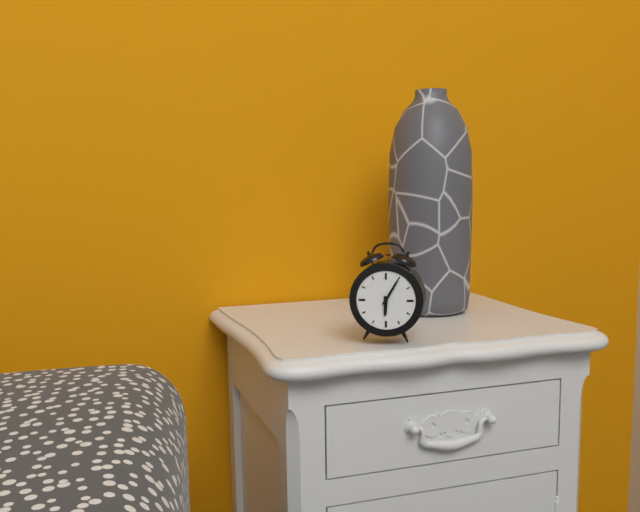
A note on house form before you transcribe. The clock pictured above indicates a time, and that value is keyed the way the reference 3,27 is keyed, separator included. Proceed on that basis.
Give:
6,05
